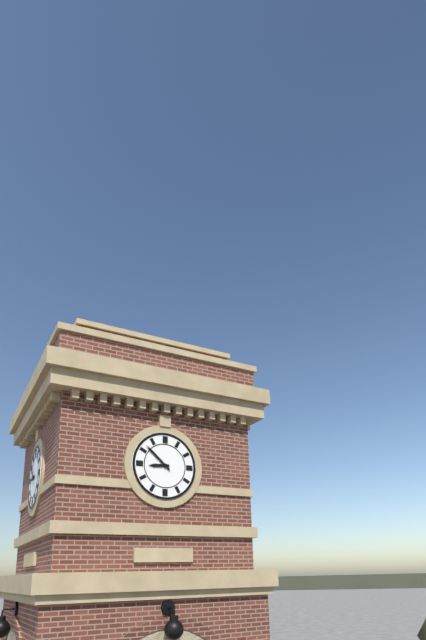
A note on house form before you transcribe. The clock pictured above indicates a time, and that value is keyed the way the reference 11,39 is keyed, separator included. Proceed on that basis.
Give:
8,52
